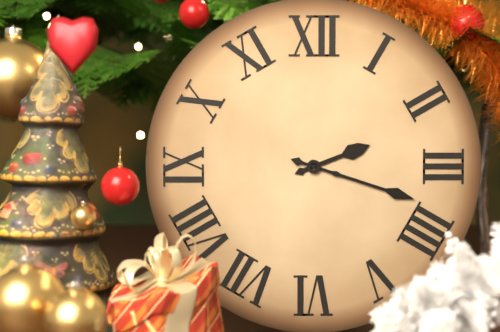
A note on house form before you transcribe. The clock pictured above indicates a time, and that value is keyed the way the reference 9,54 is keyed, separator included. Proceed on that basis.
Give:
2,18
